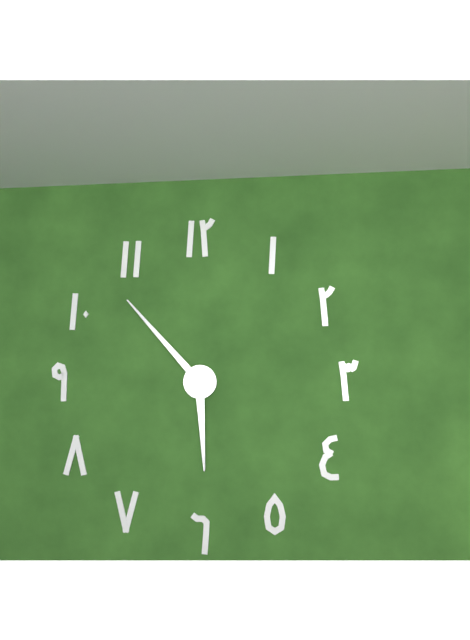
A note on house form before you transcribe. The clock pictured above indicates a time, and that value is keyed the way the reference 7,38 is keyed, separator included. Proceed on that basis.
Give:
5,53
